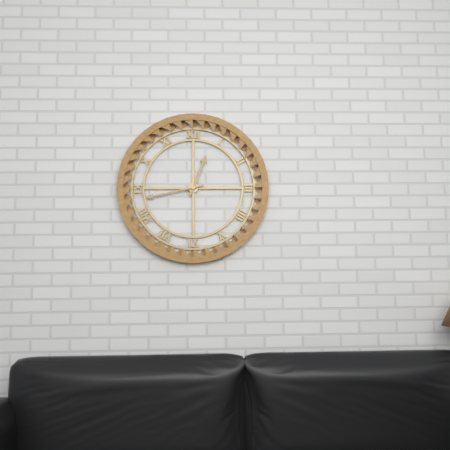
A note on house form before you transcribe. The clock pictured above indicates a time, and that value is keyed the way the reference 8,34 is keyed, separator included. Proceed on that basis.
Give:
12,43
